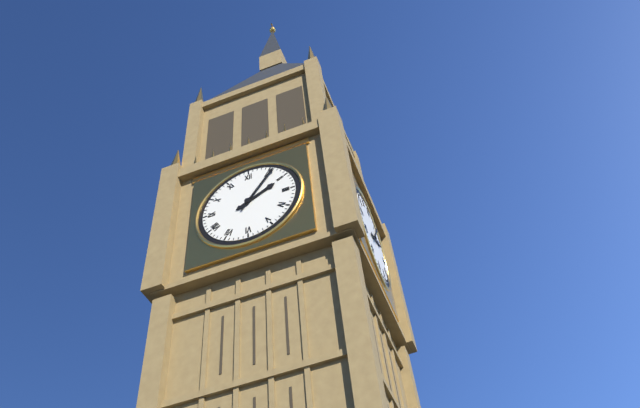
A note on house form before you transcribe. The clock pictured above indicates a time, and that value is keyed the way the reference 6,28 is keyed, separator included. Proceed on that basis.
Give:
2,06
